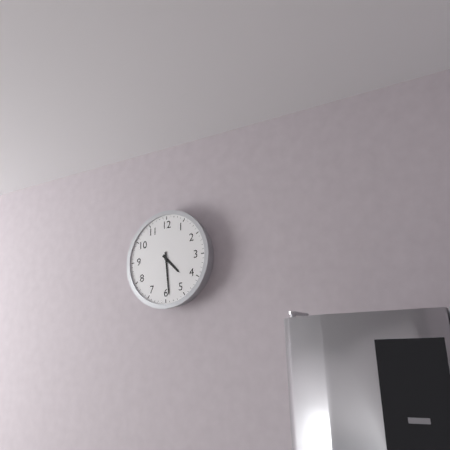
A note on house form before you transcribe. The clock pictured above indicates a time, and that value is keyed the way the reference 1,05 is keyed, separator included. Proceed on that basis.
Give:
4,29
